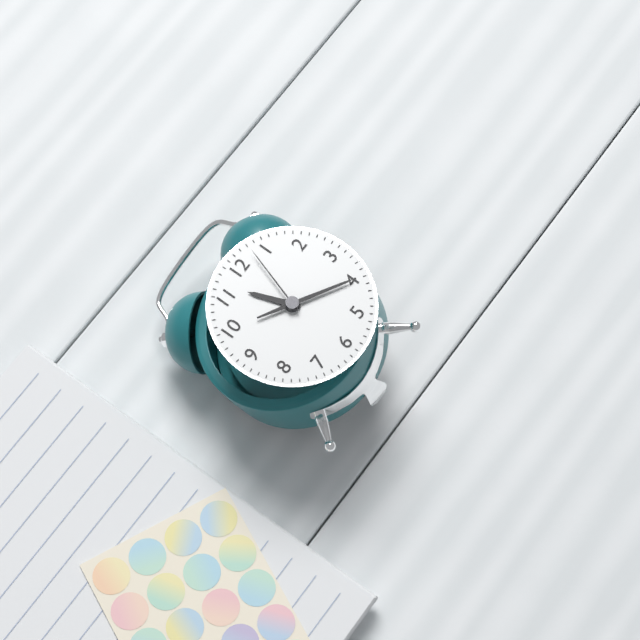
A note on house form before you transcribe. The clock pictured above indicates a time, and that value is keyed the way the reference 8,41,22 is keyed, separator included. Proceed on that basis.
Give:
11,20,03
